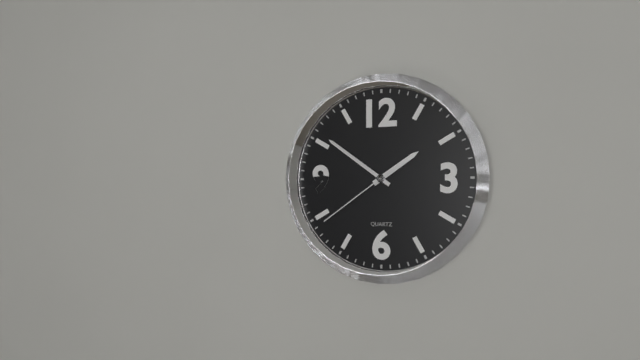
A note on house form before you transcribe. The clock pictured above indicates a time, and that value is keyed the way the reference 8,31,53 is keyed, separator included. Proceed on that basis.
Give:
1,51,39
